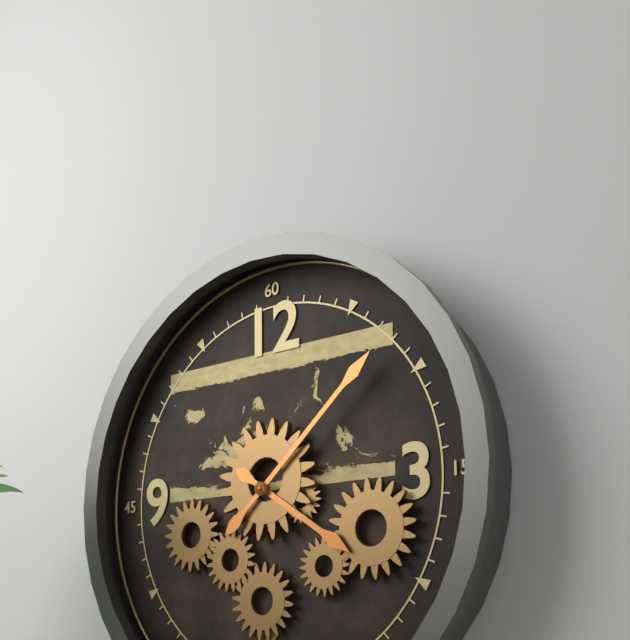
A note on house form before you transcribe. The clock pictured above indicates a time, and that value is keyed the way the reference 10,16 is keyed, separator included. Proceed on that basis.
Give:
4,08
